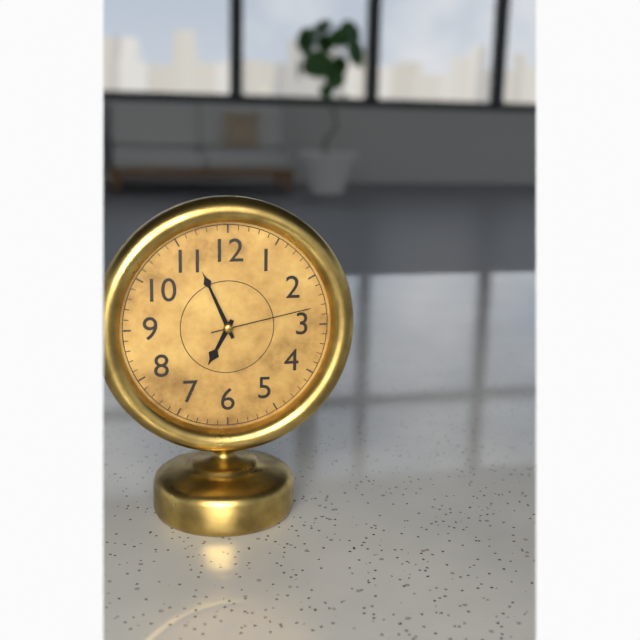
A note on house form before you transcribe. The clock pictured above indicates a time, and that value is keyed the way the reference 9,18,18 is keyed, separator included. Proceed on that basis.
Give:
6,56,13
